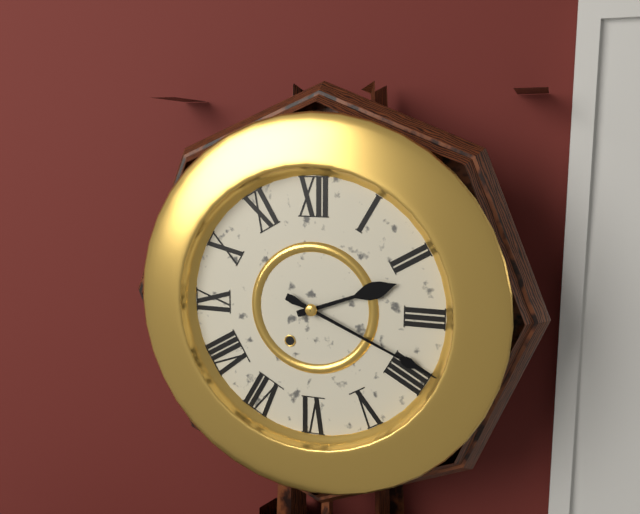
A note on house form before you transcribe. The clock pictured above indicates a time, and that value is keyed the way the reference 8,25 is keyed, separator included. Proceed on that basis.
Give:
2,19
